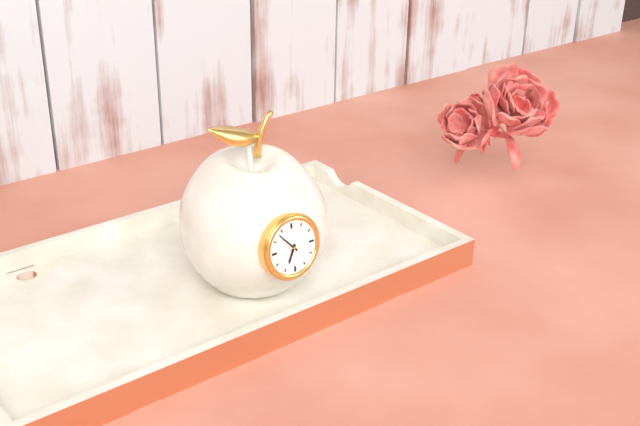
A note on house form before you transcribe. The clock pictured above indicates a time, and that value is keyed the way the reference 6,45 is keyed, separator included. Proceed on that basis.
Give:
6,53
